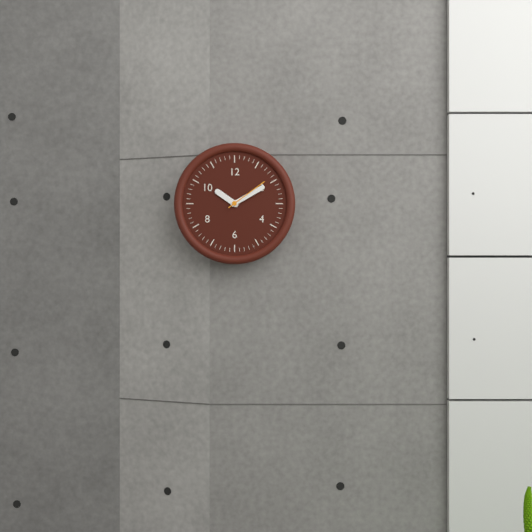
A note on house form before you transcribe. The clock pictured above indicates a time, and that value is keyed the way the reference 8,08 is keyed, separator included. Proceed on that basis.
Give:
10,10
